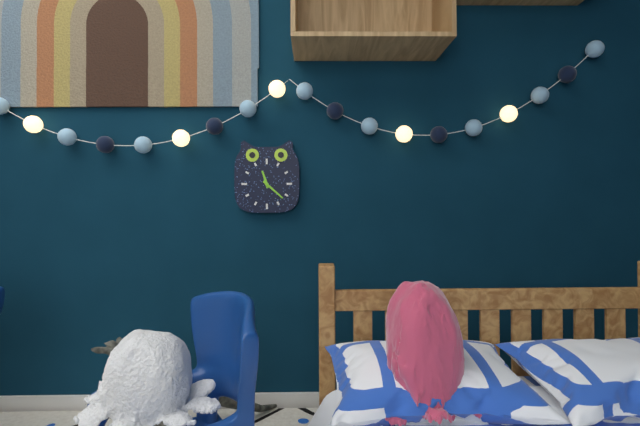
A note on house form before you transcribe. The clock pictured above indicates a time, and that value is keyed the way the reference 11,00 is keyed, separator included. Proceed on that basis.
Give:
11,22
